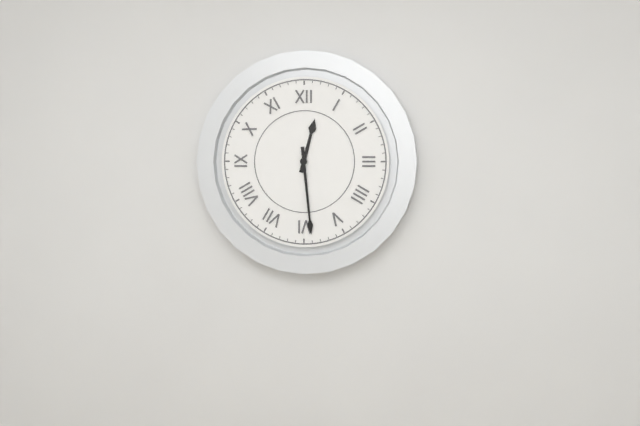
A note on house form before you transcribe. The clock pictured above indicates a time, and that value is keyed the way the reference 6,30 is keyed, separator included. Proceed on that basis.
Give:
12,29
